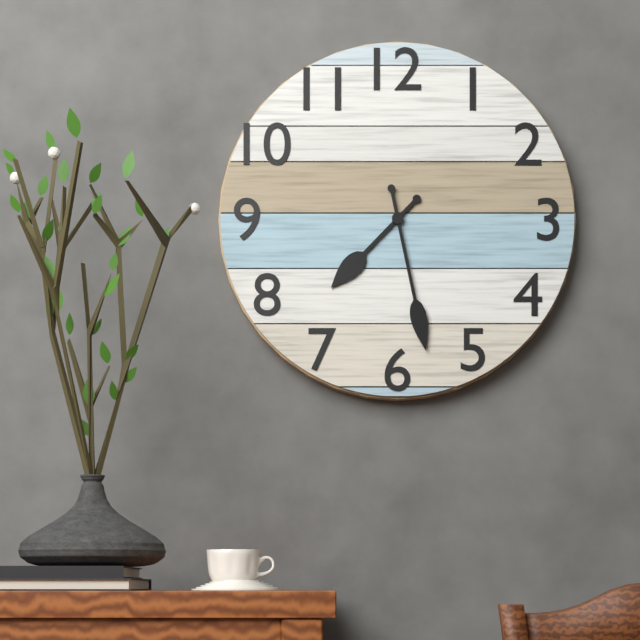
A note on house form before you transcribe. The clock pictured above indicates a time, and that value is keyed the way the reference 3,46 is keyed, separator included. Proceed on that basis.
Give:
7,28
